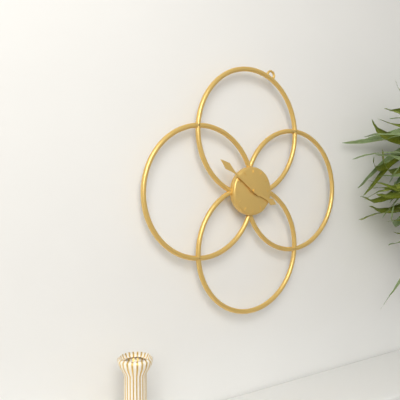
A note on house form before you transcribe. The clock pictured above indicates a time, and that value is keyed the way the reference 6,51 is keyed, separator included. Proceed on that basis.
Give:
3,51
